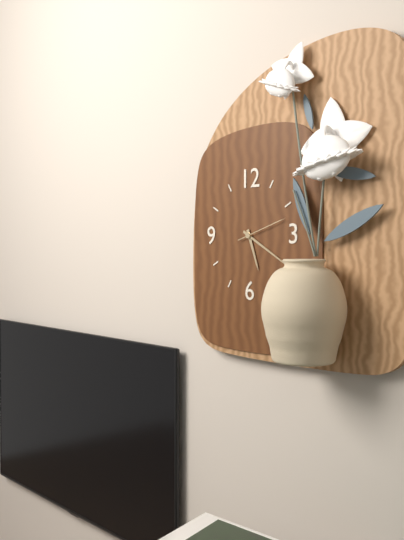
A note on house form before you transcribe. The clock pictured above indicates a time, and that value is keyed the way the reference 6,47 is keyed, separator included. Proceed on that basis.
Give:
5,20
